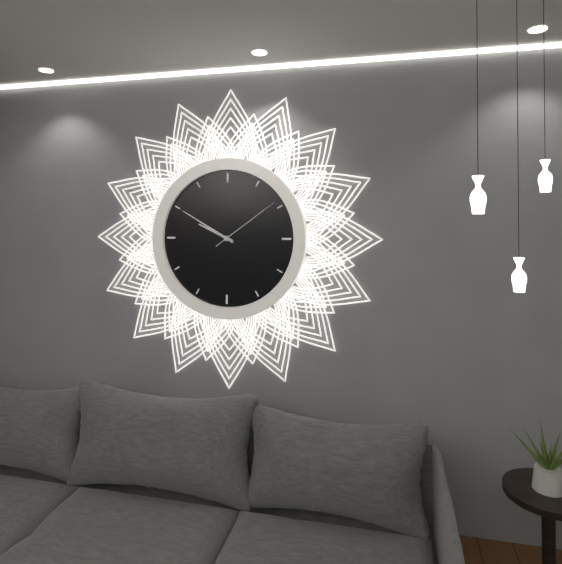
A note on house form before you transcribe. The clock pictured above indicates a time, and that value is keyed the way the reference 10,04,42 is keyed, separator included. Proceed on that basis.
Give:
9,50,09
